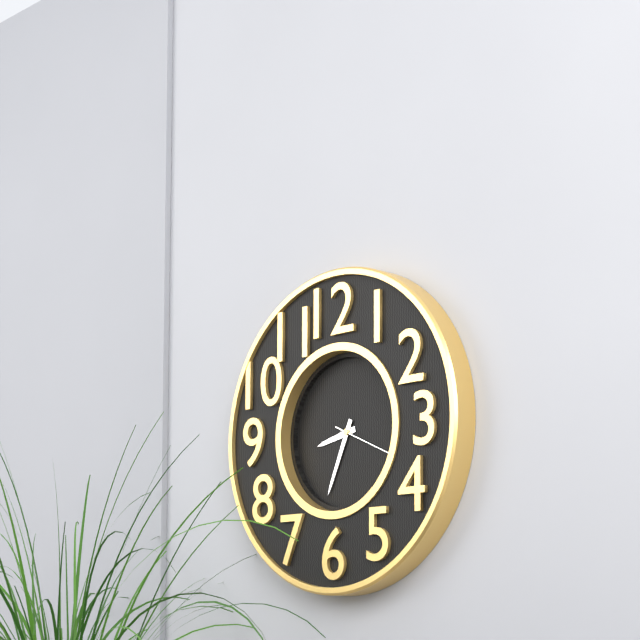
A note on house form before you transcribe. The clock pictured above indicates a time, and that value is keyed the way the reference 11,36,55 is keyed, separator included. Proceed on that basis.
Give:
8,34,19
